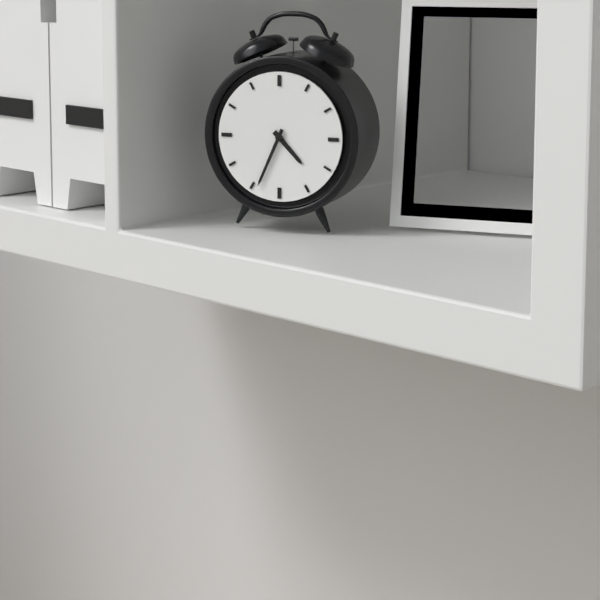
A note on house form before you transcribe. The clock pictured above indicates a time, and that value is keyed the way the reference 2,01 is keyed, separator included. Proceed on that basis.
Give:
4,34
